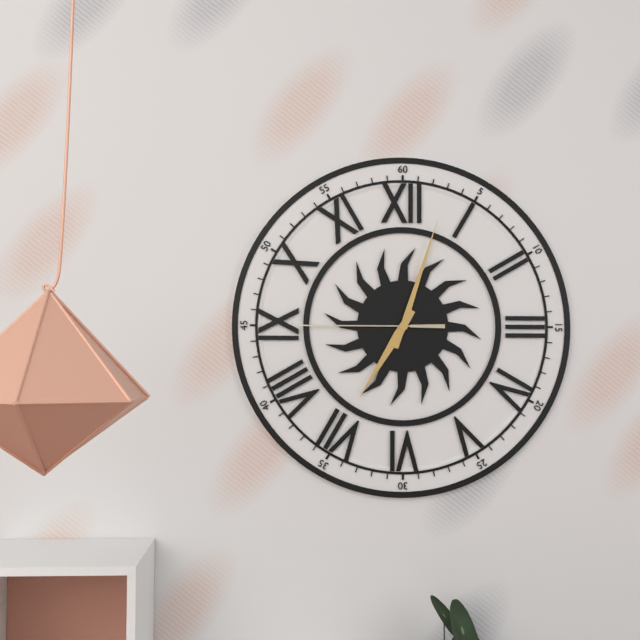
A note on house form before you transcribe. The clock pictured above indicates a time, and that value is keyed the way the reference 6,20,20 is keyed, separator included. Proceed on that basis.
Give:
7,03,45
